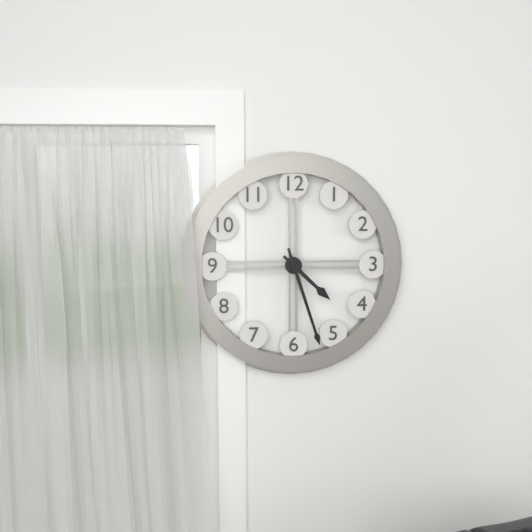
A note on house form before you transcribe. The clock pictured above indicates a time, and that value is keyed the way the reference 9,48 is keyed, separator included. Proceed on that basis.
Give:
4,27
